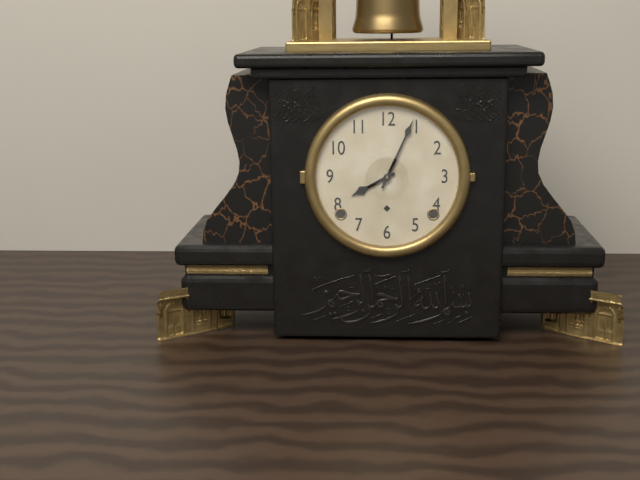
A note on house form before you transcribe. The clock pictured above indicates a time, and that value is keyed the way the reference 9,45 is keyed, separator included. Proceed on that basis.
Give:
8,04
